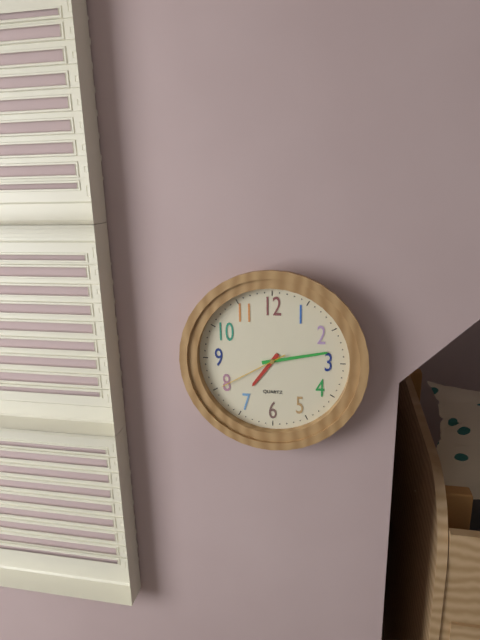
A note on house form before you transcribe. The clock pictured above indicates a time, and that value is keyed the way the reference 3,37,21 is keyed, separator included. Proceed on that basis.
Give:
7,13,40
